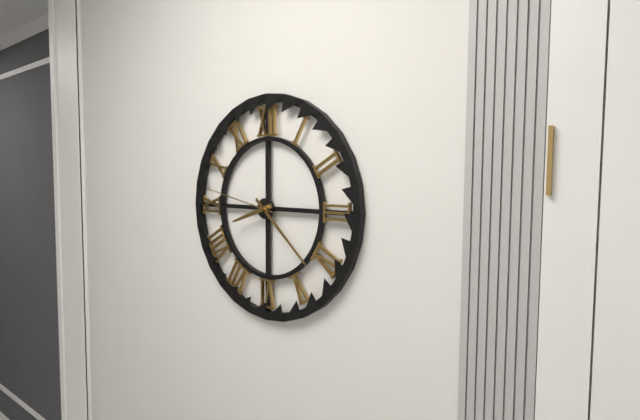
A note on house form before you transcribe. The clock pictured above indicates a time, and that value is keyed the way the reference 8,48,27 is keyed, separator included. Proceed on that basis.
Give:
8,22,47
